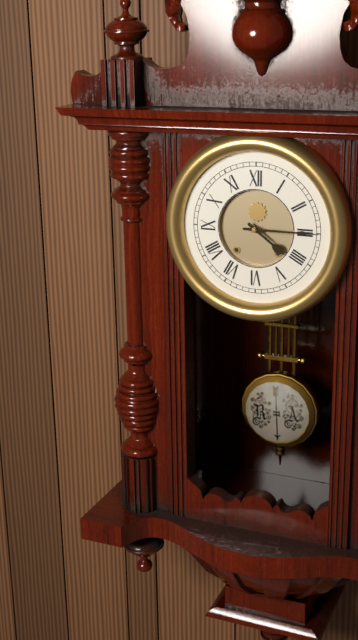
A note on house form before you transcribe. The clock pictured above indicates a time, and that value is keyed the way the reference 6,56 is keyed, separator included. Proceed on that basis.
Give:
4,15
